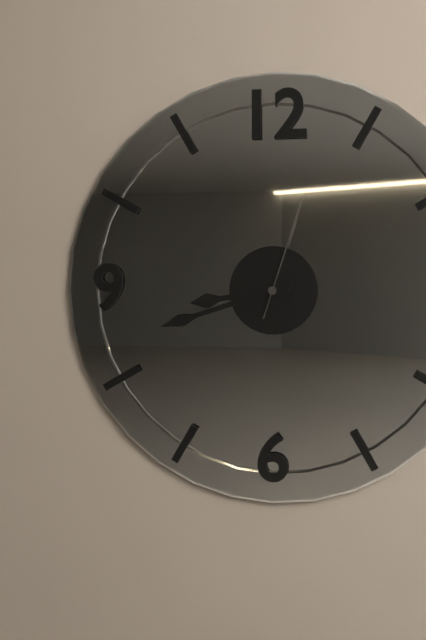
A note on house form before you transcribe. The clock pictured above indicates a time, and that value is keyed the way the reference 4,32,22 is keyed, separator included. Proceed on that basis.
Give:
8,42,03
